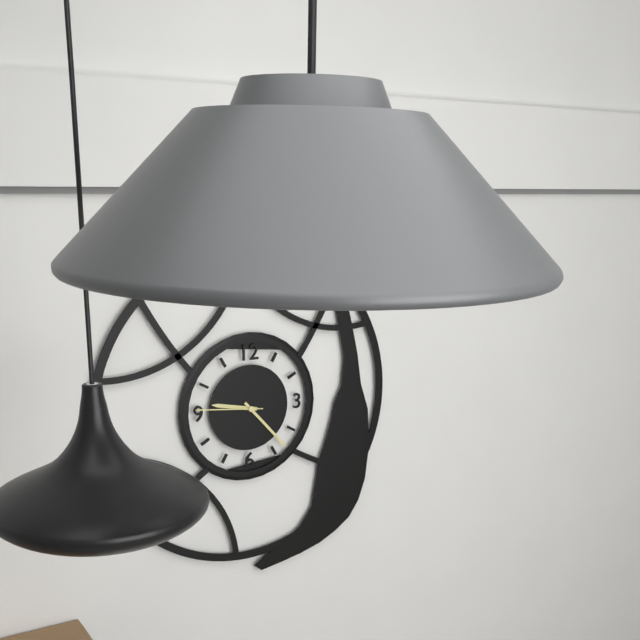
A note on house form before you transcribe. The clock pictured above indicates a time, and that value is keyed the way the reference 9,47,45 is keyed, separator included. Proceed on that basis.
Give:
9,23,46
